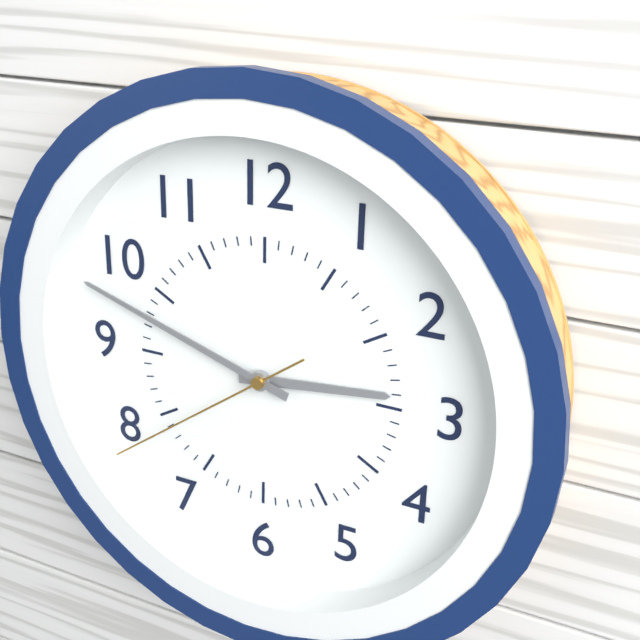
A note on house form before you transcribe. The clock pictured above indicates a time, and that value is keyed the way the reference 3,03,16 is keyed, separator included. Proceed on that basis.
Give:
2,48,39
